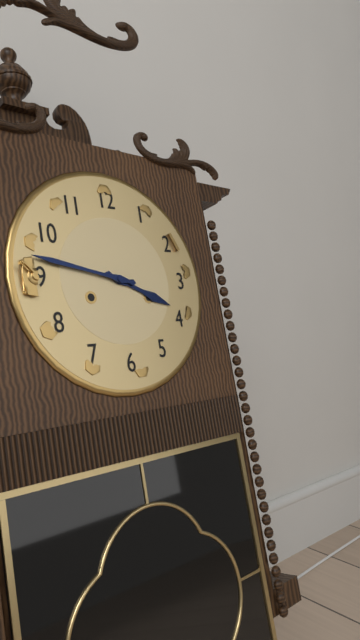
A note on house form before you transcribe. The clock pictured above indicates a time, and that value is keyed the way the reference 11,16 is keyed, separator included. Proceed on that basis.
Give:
3,47
